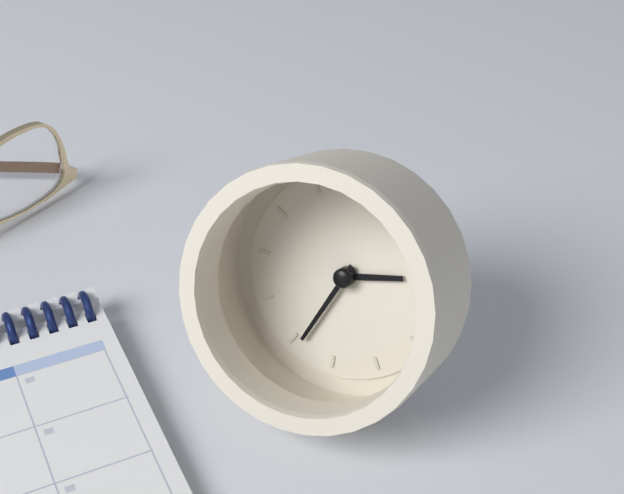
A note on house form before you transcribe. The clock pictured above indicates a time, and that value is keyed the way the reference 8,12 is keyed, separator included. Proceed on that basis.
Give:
2,34
